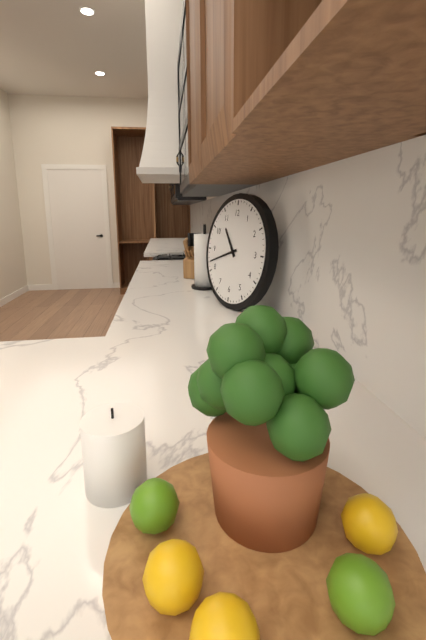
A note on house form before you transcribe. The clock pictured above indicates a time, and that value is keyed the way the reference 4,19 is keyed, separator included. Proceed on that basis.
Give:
10,42
